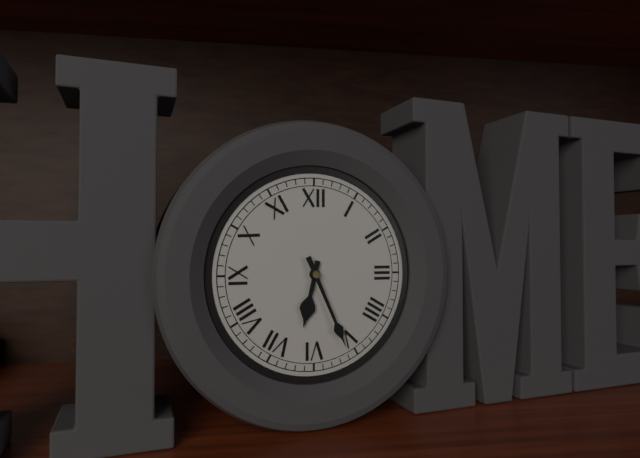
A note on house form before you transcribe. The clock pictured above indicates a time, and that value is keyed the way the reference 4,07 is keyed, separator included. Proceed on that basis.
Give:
6,26
